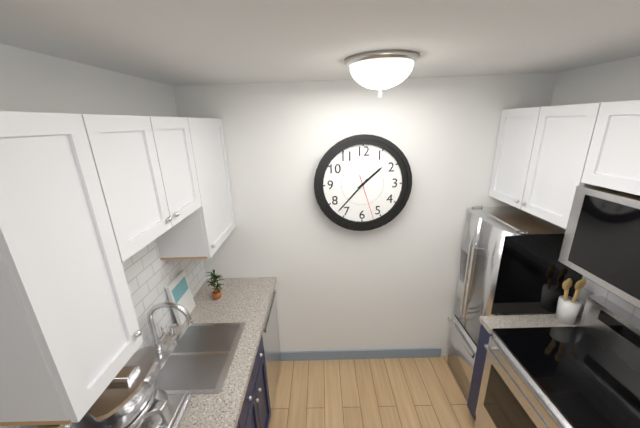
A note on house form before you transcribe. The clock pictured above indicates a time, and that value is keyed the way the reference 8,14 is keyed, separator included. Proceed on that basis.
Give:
1,37
